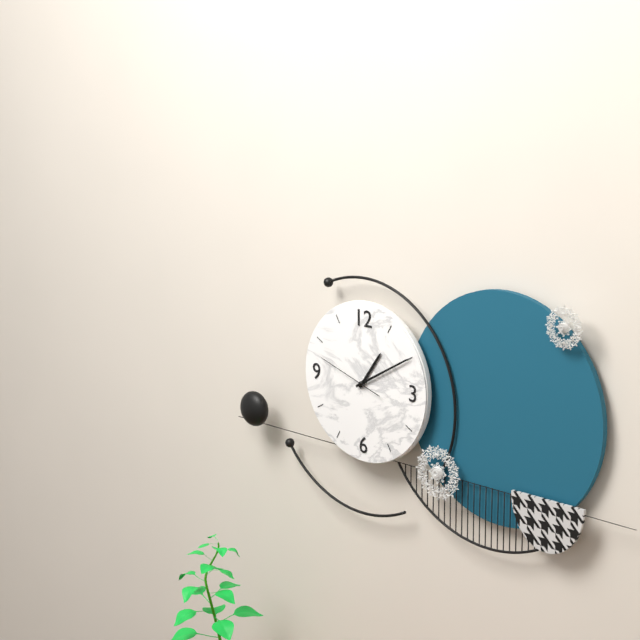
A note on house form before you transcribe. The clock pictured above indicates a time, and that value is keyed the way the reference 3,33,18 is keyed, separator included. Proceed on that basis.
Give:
1,10,48
